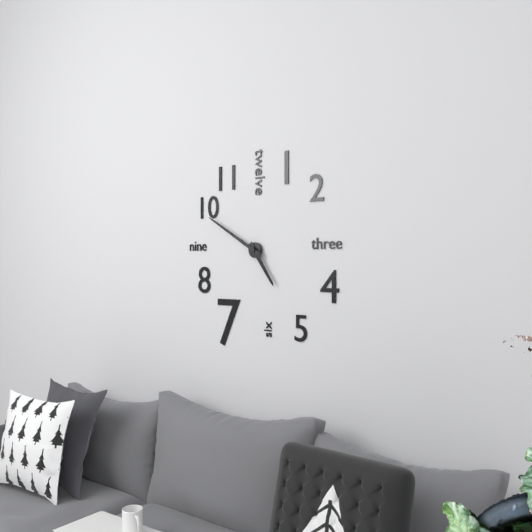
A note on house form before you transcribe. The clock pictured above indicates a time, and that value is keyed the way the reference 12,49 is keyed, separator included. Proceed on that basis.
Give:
4,50
